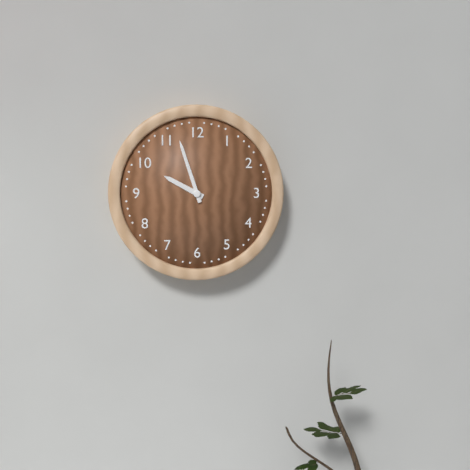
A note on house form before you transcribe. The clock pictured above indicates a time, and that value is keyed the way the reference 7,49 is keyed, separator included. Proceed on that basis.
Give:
9,57
